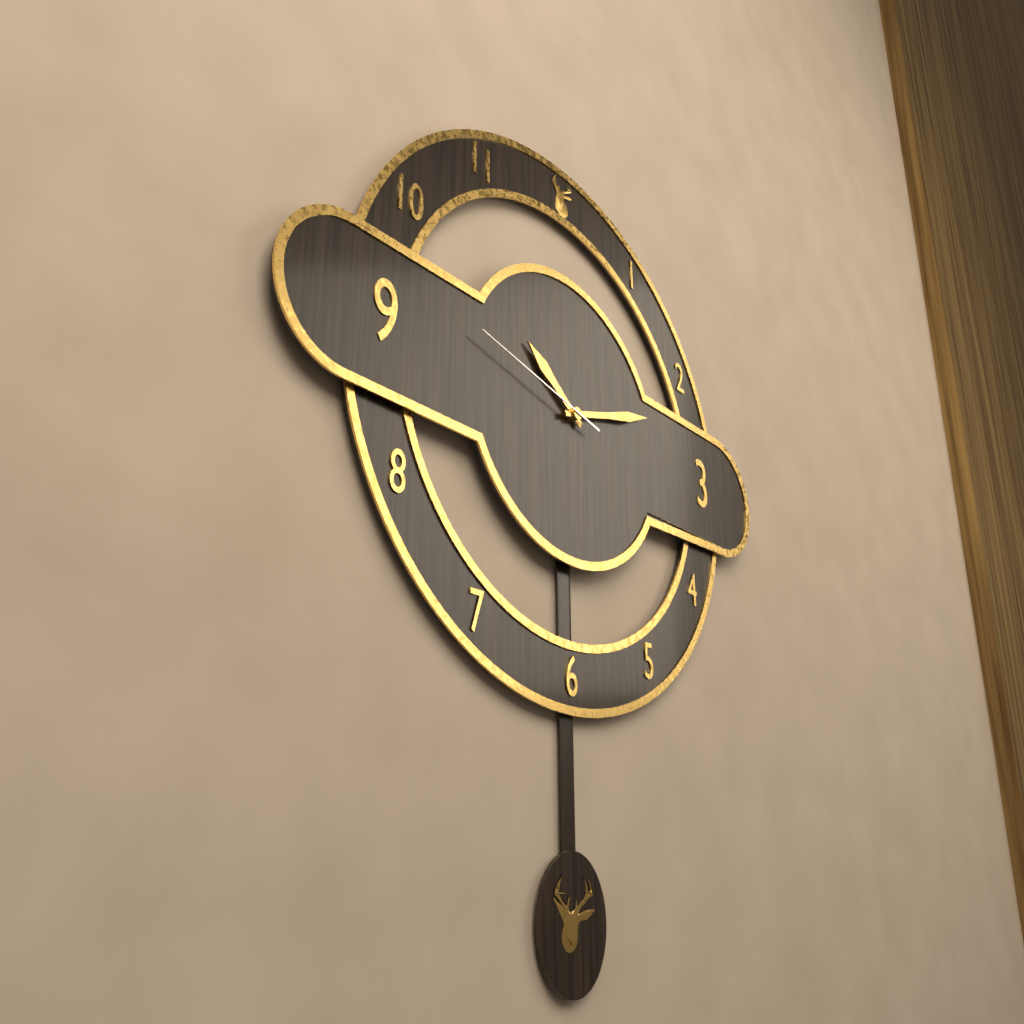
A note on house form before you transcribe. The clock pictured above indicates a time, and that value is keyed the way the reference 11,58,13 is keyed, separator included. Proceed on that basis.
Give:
10,12,47
